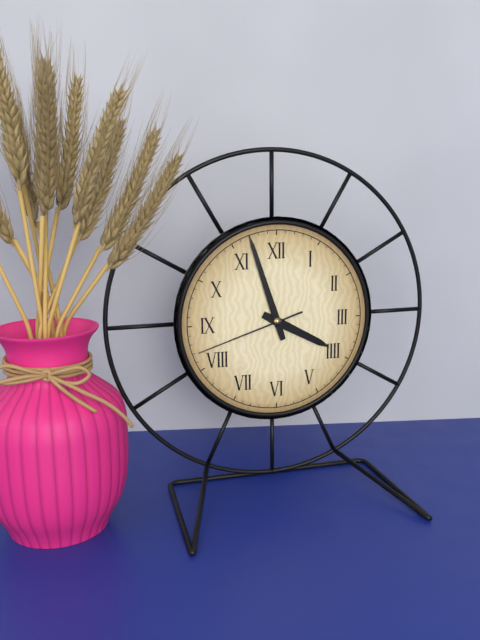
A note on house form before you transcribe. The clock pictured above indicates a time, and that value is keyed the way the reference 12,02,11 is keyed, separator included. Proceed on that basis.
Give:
3,57,42
